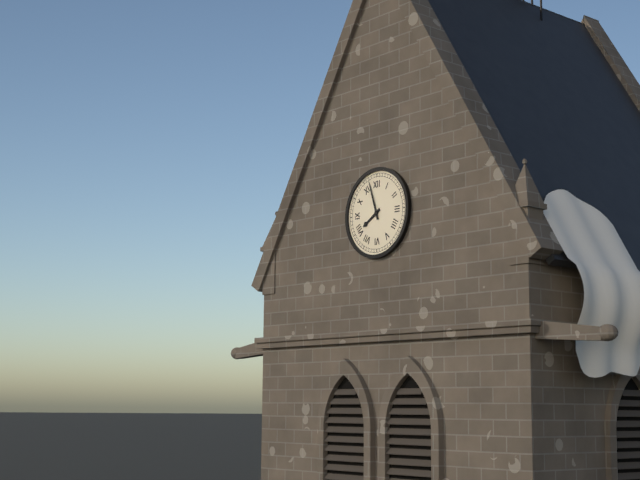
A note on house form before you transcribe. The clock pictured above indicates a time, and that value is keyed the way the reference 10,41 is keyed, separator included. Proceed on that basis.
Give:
7,57
